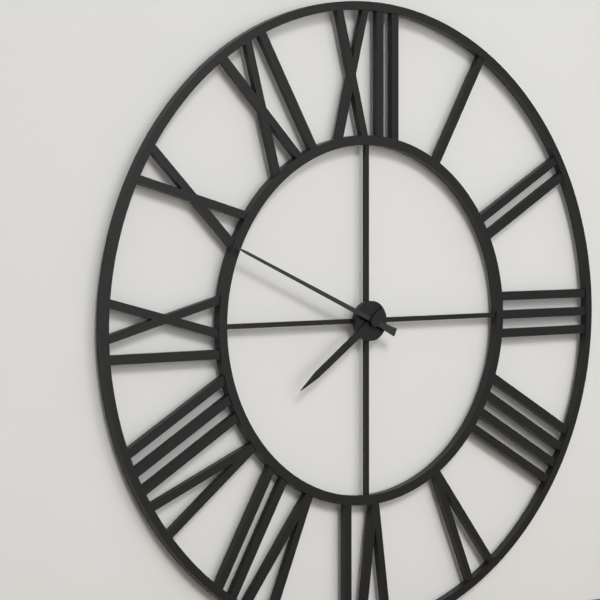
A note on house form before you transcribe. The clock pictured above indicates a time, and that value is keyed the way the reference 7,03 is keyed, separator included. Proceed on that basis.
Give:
7,49
